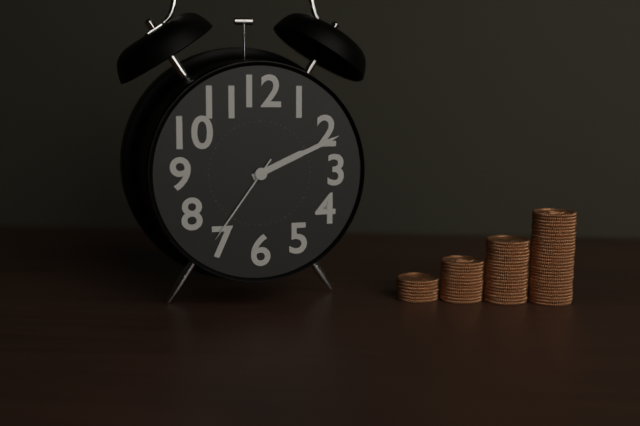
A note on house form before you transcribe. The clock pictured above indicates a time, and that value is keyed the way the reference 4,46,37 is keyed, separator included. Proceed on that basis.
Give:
2,11,36
